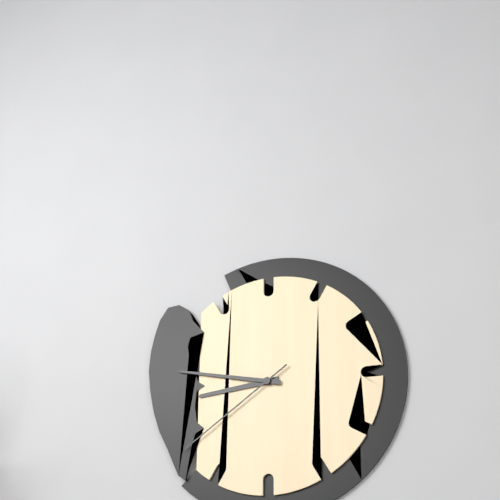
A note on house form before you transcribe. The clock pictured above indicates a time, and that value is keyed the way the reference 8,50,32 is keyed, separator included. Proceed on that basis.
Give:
8,47,39
